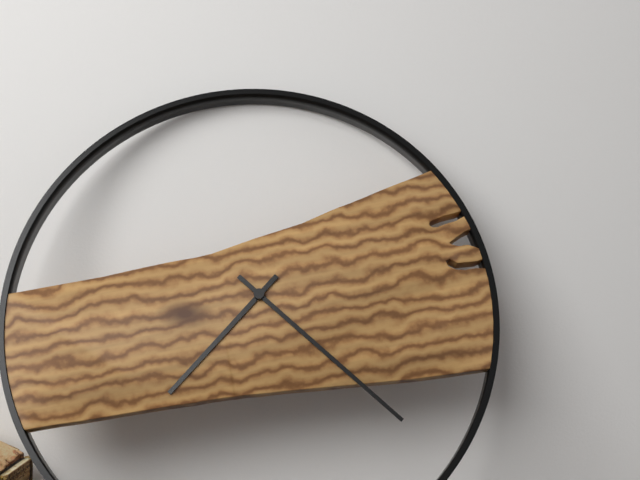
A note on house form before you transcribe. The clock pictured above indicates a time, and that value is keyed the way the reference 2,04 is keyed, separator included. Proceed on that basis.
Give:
7,22
